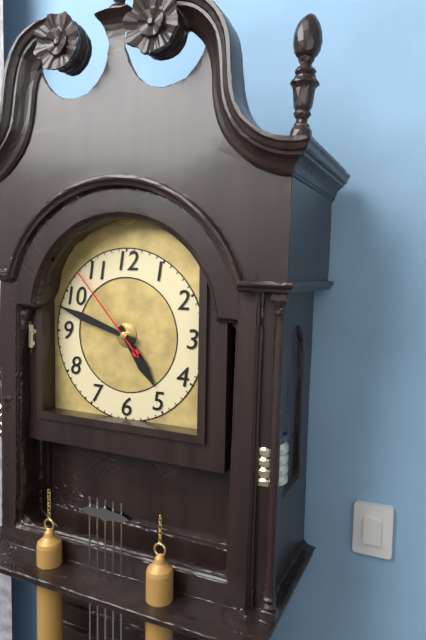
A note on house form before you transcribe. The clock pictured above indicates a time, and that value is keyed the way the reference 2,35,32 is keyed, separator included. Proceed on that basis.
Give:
4,48,53
